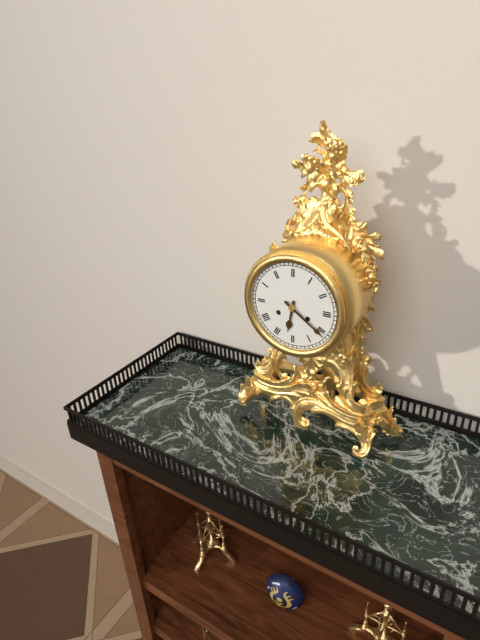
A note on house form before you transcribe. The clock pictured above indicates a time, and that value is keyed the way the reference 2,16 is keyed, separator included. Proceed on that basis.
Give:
6,21
